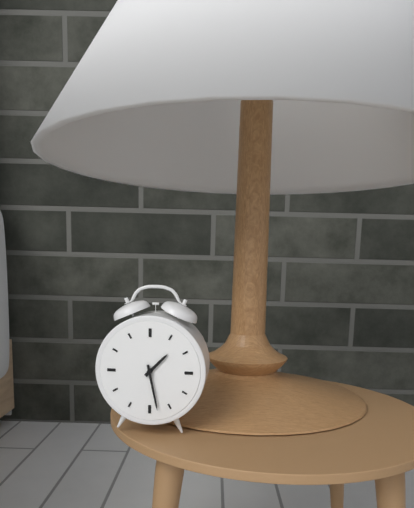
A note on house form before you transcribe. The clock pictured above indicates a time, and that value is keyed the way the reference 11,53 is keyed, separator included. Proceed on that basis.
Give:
1,28
